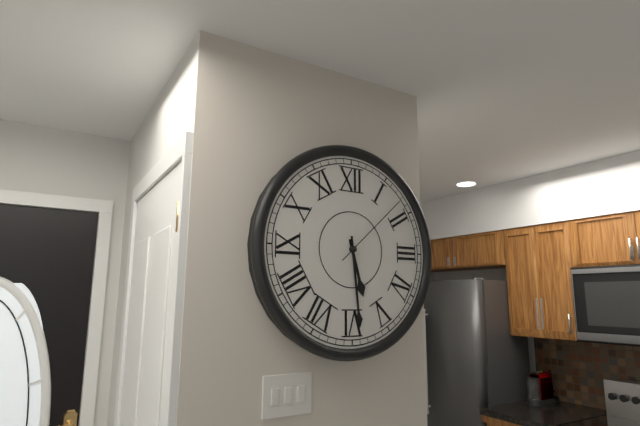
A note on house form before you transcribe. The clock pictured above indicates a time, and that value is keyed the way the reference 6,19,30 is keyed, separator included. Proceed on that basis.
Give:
5,29,08
